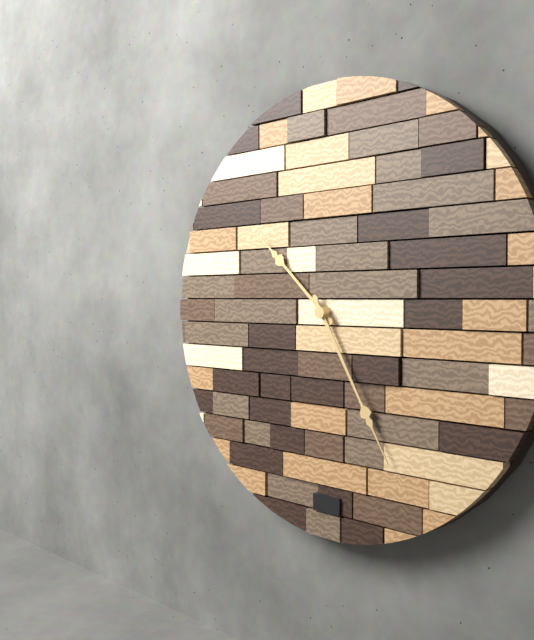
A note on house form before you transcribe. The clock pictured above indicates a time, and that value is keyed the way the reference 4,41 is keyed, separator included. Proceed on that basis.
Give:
10,25
